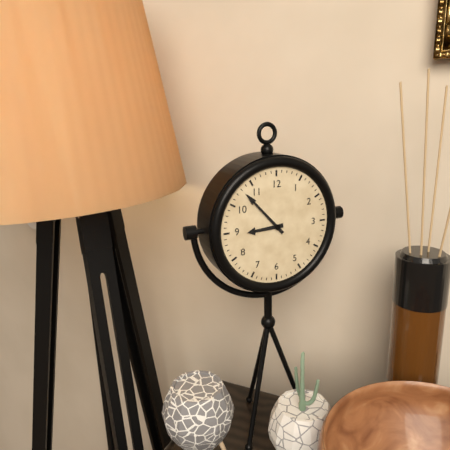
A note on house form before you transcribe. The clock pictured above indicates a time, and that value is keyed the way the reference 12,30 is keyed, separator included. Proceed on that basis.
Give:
8,53
